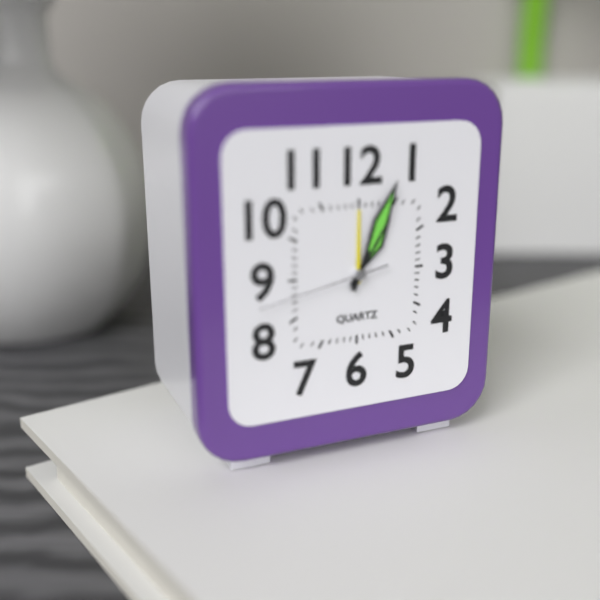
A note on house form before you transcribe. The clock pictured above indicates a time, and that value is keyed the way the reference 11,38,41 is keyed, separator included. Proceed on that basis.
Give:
1,04,43
